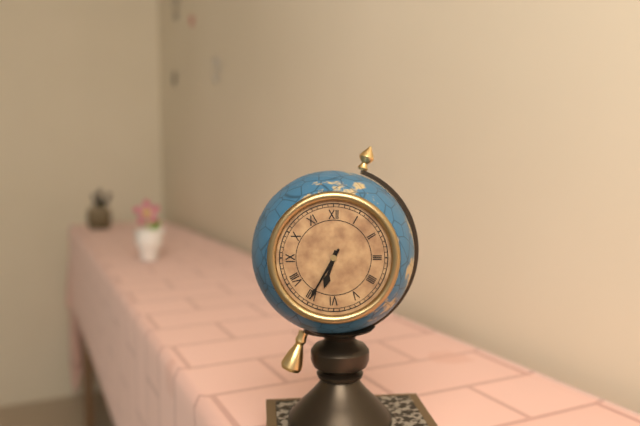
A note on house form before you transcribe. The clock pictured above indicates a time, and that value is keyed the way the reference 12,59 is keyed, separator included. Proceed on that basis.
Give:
6,35
